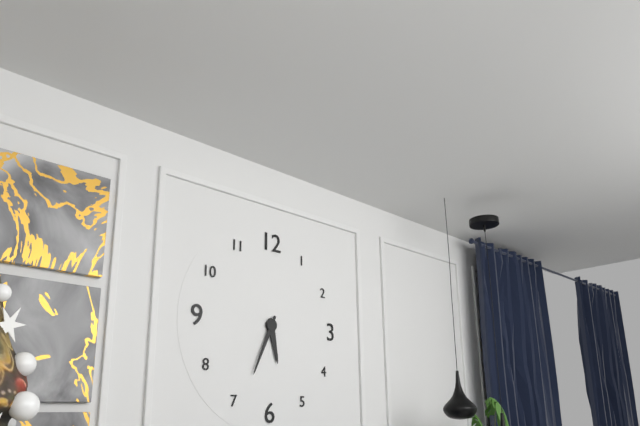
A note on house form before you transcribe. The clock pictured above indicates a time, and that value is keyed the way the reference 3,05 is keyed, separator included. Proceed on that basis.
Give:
5,34
